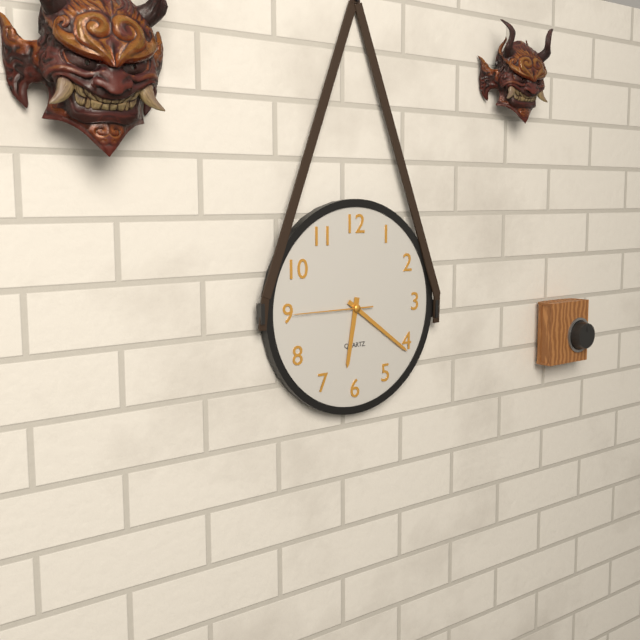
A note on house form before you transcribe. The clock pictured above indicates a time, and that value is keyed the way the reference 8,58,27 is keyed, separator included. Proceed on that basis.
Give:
6,21,45
